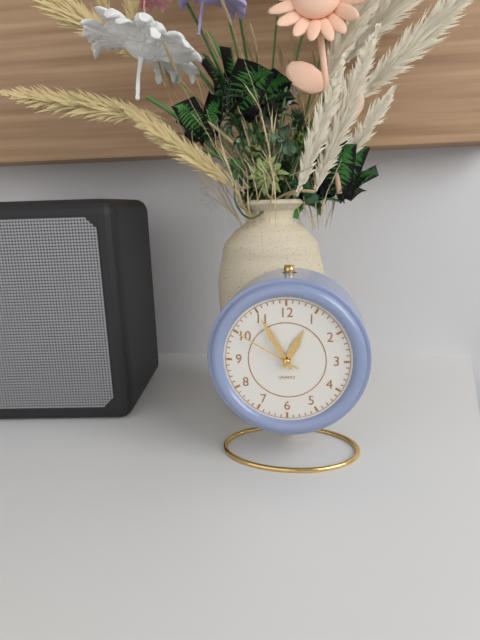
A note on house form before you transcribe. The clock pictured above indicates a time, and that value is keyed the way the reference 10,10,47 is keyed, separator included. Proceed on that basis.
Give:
12,55,50
